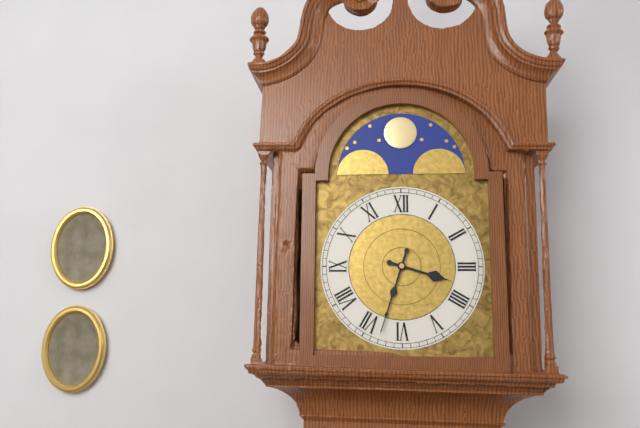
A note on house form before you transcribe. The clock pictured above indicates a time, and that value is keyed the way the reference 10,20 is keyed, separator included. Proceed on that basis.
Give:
3,33
